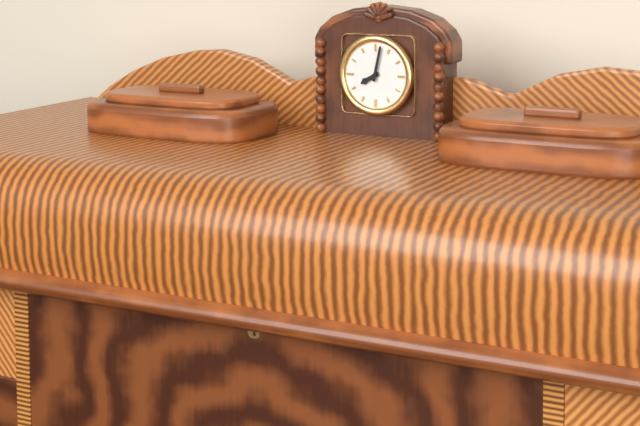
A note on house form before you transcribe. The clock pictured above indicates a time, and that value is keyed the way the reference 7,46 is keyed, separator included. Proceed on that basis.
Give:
8,02
